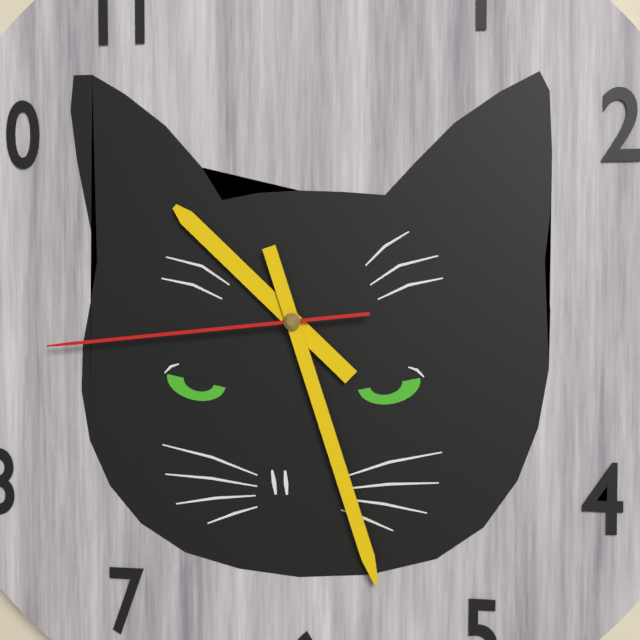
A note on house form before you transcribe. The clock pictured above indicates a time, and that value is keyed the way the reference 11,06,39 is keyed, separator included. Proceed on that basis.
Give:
10,27,44
